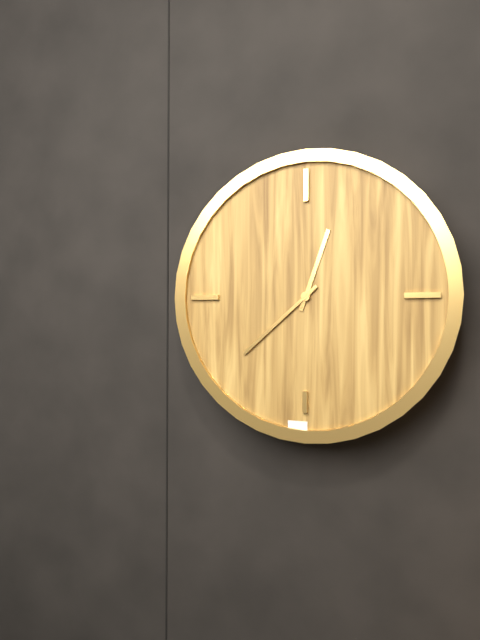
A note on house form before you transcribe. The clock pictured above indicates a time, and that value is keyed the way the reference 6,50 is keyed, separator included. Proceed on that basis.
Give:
12,38
